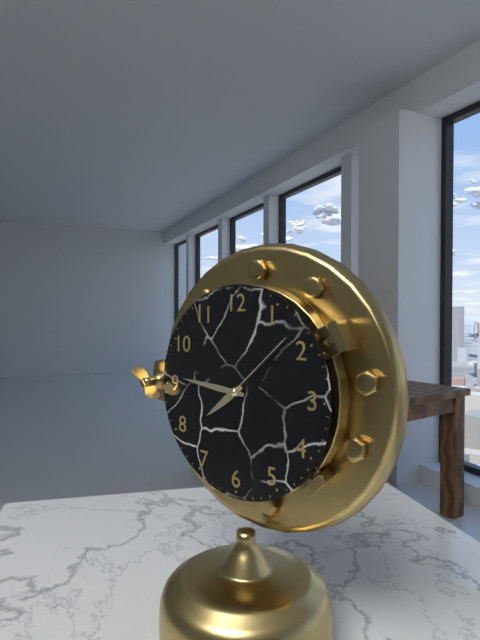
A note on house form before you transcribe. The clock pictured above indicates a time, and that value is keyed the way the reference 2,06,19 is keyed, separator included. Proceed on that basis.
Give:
7,46,08
